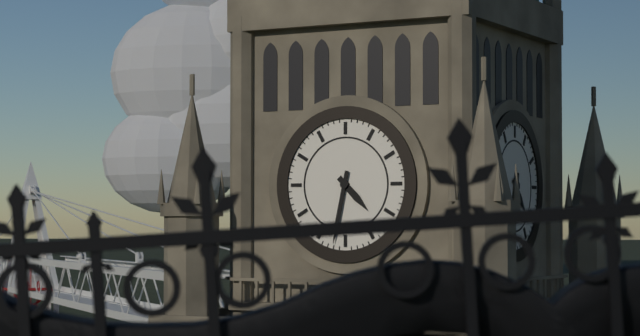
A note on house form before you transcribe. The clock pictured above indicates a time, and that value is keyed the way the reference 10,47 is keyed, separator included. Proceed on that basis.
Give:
4,32
